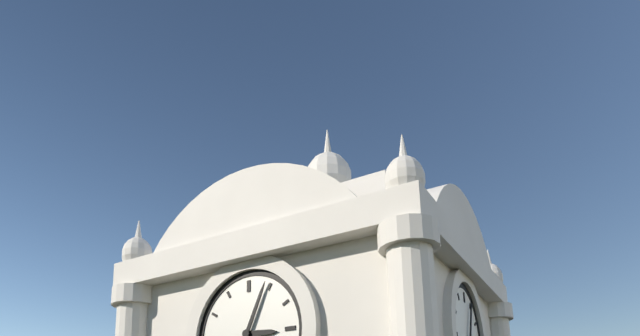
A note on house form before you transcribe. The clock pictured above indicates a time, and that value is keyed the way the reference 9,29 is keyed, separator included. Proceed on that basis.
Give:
3,04
